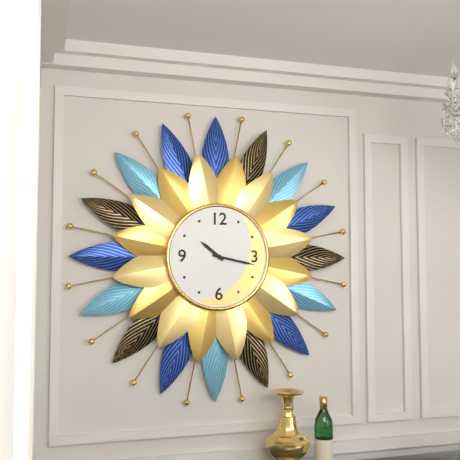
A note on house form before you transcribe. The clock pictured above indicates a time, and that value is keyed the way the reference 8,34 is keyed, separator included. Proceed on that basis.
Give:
10,17
